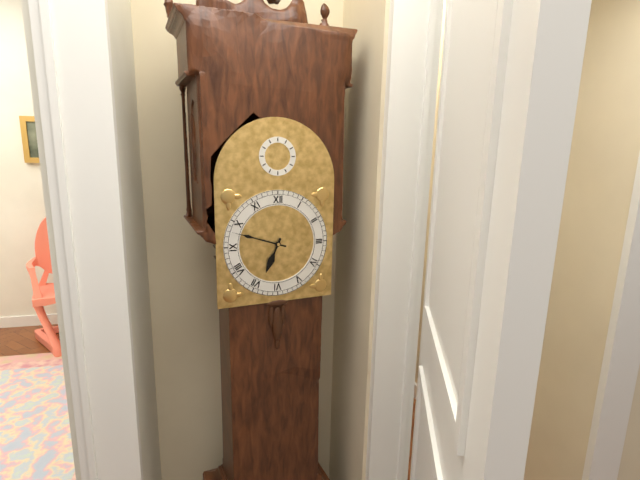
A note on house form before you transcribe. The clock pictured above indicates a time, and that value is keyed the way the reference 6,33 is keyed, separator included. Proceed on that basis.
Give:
6,48
